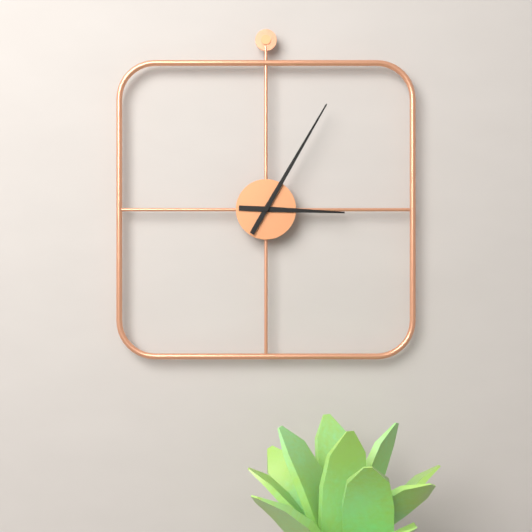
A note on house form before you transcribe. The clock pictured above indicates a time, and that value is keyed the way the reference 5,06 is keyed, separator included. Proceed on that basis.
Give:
3,05
